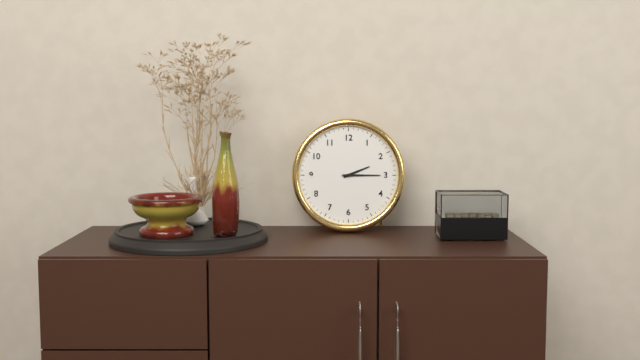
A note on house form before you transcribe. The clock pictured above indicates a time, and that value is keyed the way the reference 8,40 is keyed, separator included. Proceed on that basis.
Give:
2,15
